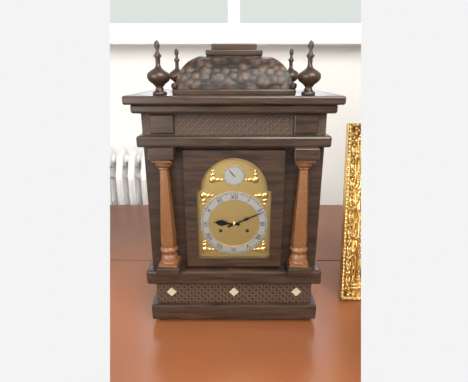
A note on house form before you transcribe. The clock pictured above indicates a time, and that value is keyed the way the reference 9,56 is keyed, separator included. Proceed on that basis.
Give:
9,11
